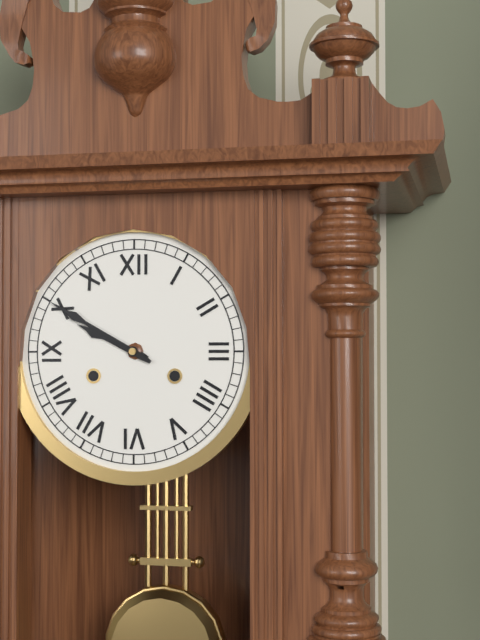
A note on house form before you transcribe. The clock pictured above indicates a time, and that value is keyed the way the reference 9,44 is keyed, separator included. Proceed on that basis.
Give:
9,50
